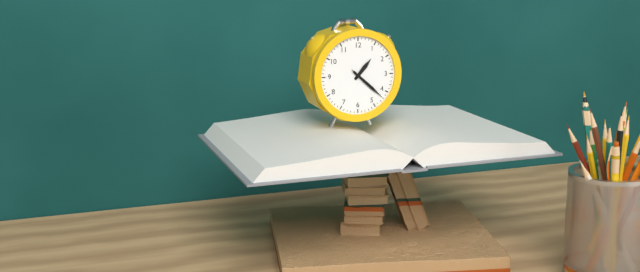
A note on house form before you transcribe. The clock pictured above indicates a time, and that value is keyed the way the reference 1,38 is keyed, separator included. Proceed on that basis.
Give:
1,22
